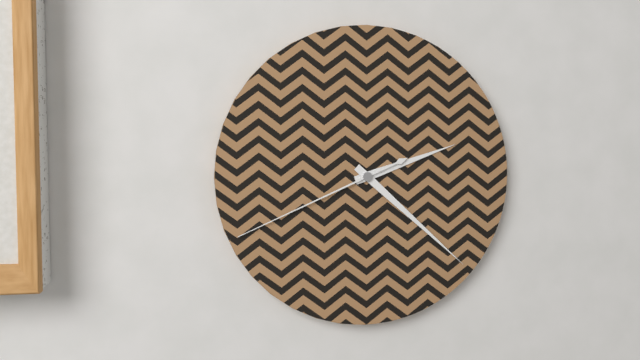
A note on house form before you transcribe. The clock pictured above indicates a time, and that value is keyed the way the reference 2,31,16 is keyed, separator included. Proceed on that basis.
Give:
2,22,41
